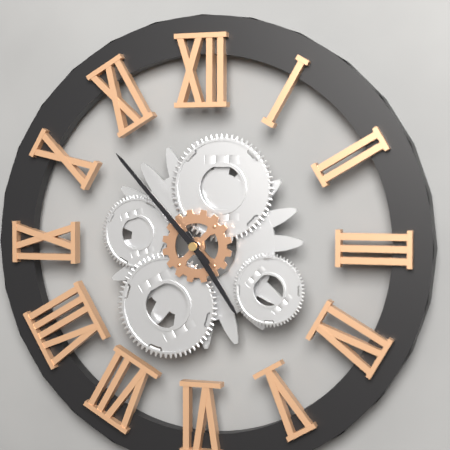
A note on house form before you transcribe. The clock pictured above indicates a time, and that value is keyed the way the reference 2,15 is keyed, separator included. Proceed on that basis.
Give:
4,53
